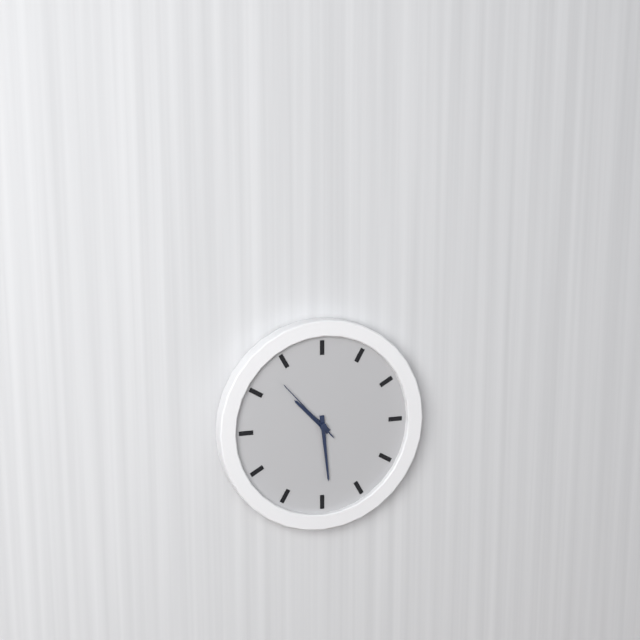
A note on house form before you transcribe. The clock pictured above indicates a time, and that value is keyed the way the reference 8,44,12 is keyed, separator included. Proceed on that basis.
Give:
10,29,53
